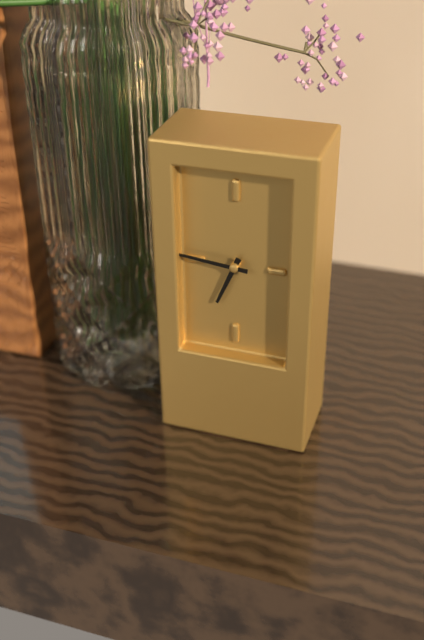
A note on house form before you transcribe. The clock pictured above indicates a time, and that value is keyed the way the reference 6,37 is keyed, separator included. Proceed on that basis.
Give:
6,46
